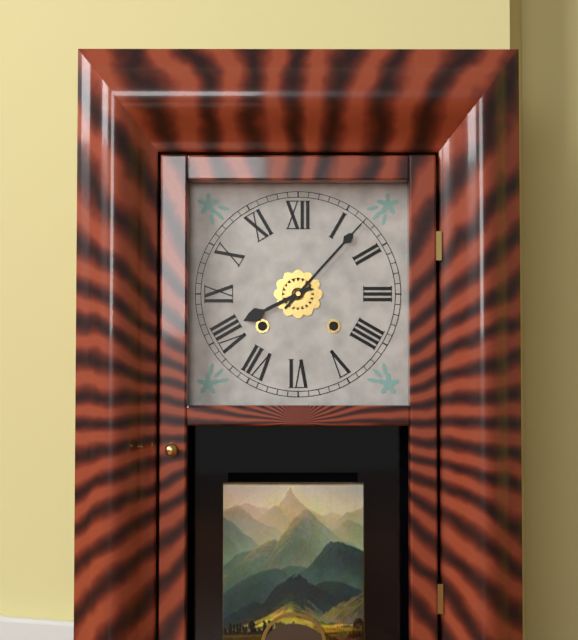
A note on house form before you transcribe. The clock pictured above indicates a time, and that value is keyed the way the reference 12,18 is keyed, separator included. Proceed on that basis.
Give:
8,07
